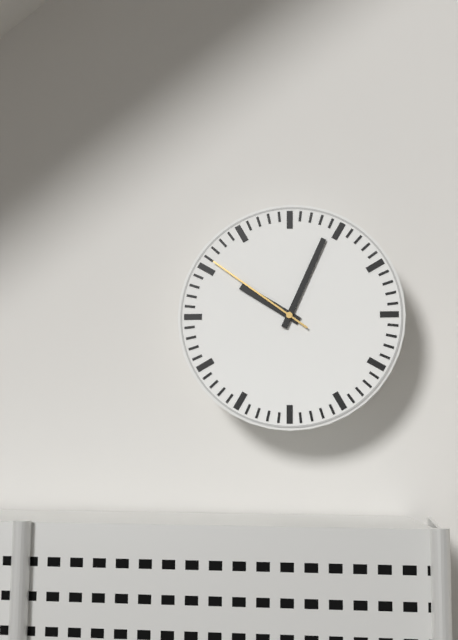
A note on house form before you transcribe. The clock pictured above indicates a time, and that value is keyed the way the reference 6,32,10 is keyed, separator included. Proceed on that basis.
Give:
10,04,51
